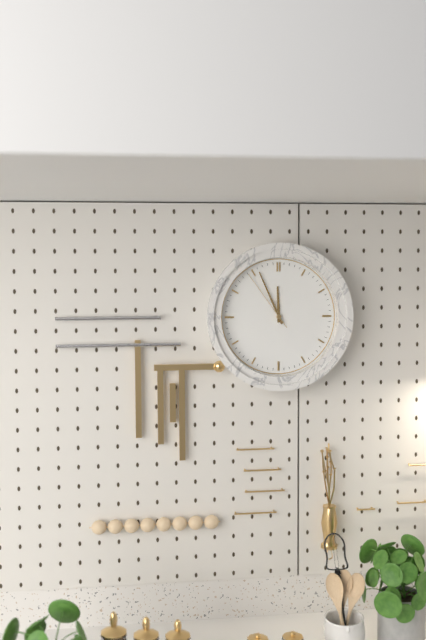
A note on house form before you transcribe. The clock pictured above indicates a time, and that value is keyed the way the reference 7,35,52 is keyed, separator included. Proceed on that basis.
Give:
11,56,54
